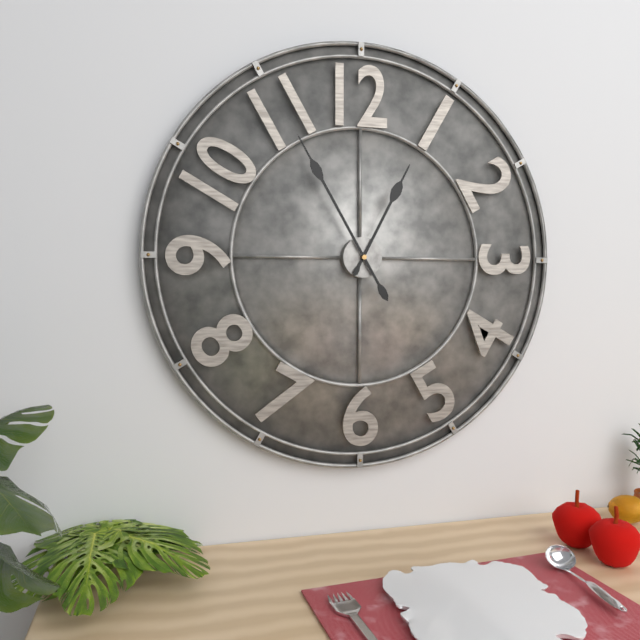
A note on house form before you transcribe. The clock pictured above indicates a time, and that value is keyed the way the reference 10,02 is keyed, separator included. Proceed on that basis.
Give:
12,55
